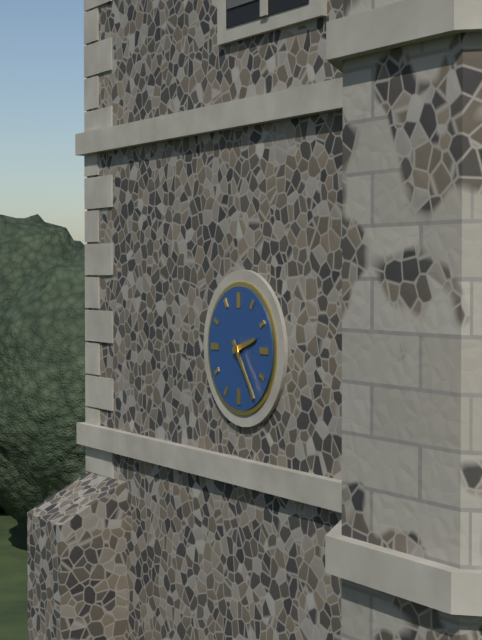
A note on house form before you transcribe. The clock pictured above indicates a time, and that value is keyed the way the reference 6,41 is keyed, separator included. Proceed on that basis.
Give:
2,24
